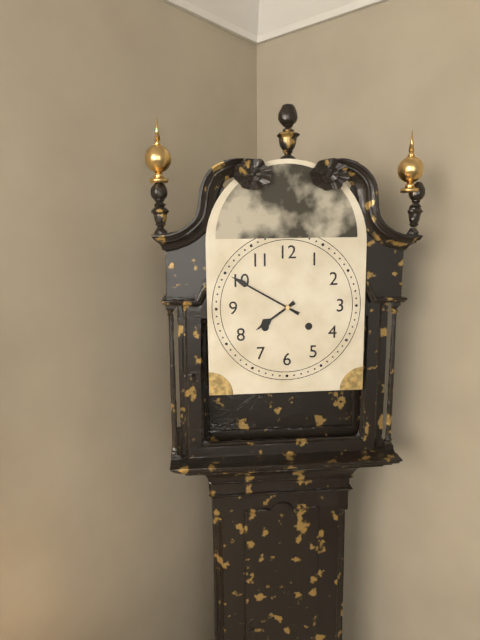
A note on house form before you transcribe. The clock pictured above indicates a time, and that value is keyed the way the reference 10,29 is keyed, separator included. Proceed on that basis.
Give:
7,50
